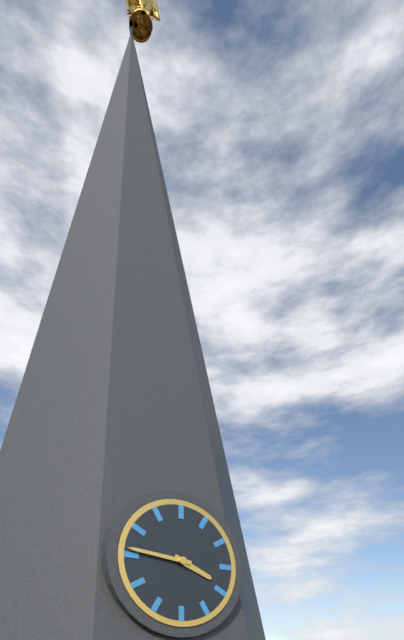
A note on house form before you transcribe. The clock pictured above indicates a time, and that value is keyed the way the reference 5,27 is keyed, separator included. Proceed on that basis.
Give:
3,46
